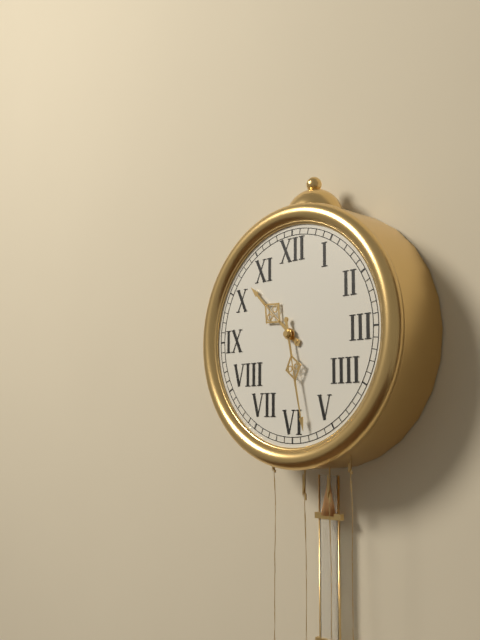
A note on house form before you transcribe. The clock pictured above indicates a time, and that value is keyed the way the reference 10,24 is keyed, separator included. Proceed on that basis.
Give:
10,28
